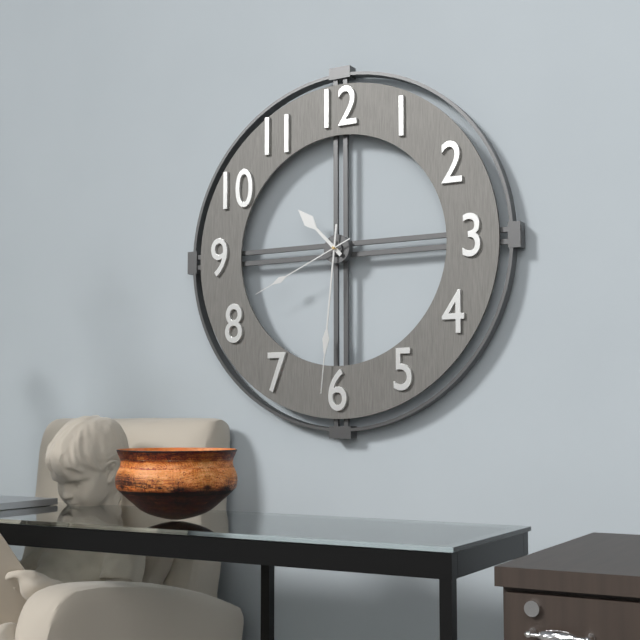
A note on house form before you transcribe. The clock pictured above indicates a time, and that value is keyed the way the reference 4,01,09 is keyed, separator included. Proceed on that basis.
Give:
10,31,41
